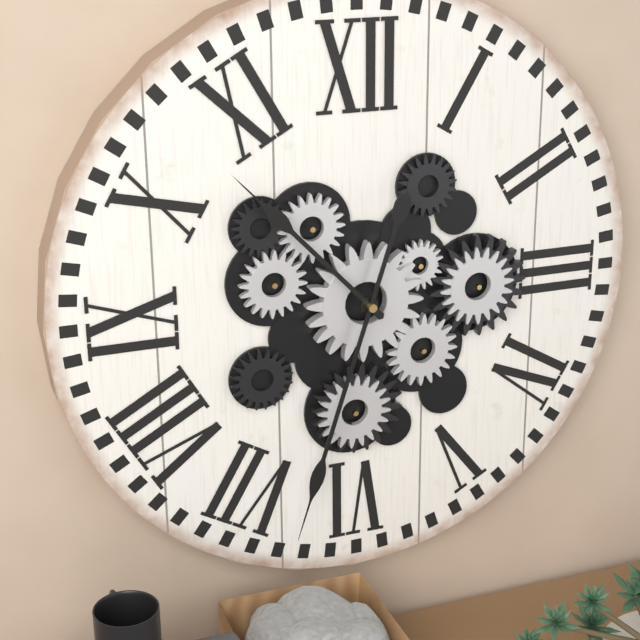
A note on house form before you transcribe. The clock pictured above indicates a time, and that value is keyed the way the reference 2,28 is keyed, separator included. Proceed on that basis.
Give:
10,33
